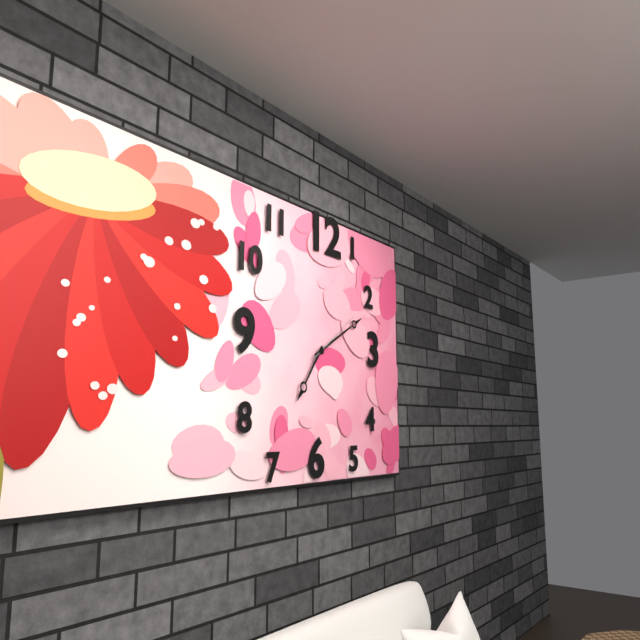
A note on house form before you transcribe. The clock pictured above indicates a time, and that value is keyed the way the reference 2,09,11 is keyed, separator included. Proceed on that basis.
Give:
7,10,09
